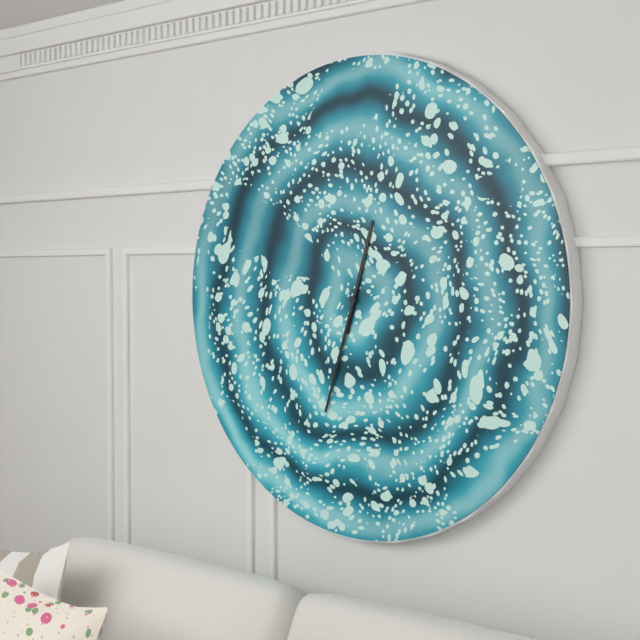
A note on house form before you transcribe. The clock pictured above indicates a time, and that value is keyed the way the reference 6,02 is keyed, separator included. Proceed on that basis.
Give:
12,33
